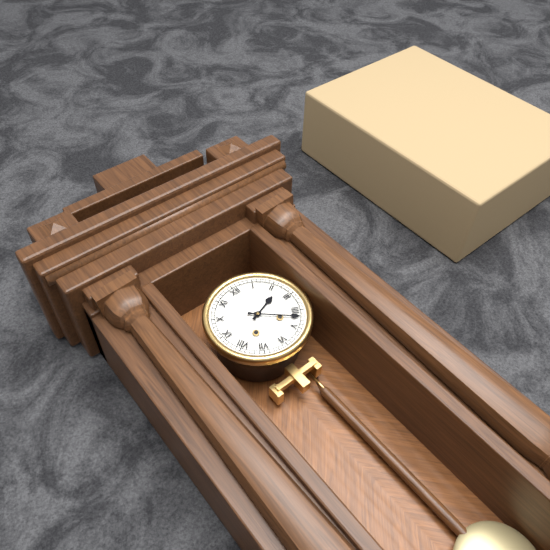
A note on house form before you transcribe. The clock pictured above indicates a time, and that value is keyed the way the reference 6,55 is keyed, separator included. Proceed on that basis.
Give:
2,22
